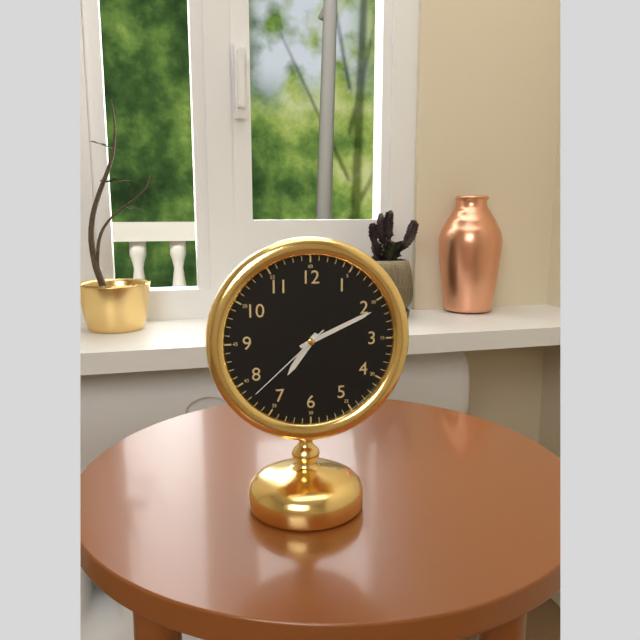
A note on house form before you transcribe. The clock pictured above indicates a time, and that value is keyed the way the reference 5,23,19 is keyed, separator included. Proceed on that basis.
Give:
7,11,38
